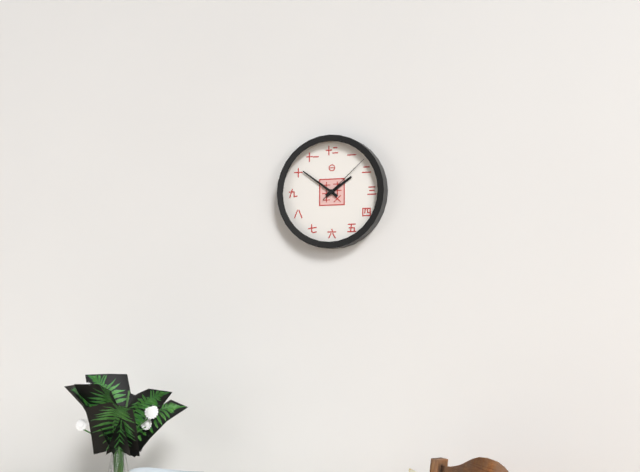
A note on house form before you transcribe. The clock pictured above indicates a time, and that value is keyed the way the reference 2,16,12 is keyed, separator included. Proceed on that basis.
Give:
1,51,08
